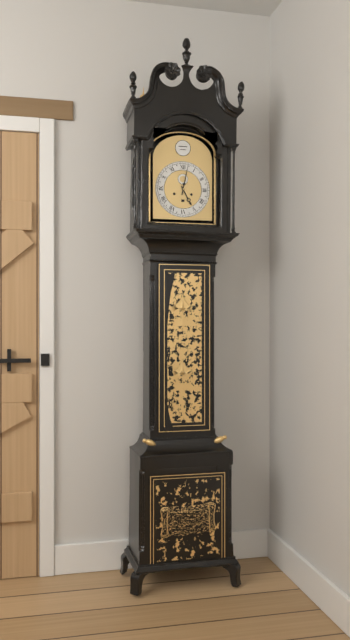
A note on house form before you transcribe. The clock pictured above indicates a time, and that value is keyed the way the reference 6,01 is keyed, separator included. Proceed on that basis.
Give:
5,02
